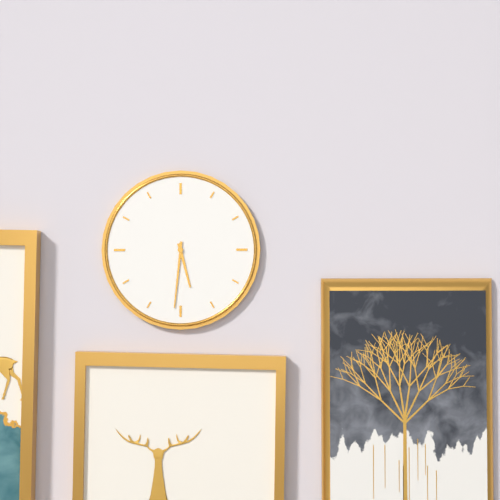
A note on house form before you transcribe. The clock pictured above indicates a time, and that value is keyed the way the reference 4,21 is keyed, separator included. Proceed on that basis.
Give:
5,31
